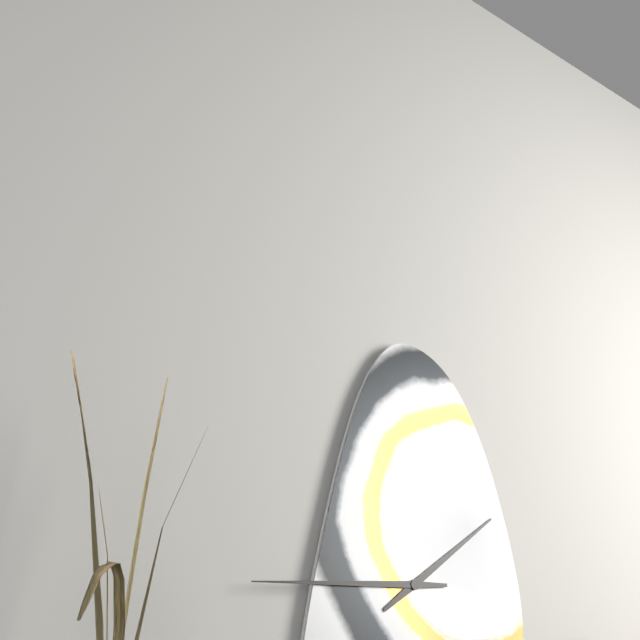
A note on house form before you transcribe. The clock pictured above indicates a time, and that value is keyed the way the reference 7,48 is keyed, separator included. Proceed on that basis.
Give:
1,44
